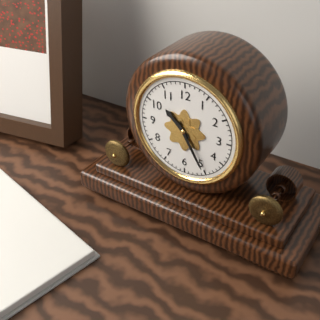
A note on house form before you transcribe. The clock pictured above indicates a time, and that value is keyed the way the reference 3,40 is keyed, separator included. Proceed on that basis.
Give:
10,25
